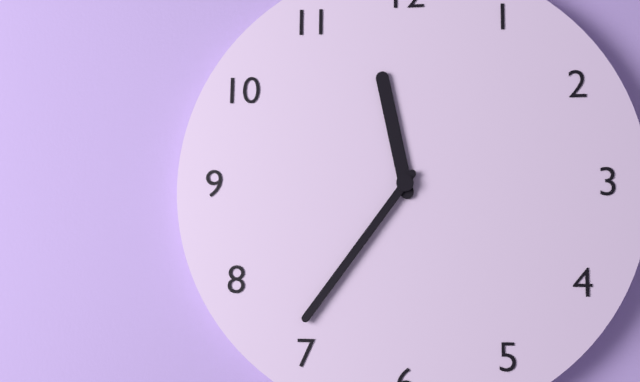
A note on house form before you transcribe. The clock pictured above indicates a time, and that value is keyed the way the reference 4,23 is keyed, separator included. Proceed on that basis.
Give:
11,36
